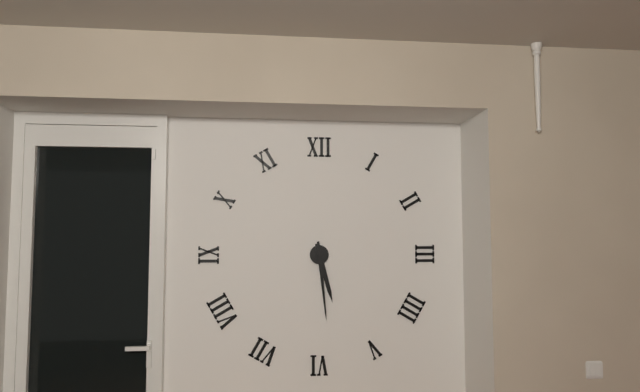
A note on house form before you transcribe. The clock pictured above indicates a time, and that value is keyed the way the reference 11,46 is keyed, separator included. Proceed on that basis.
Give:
5,29
